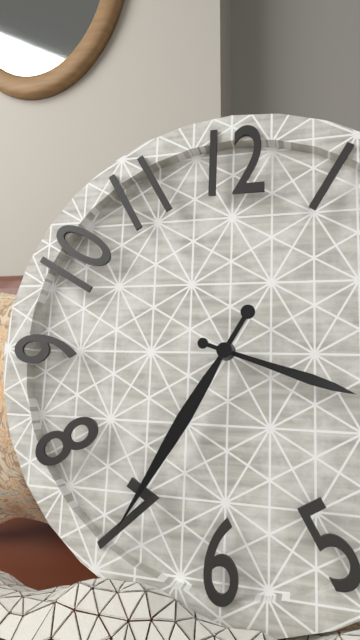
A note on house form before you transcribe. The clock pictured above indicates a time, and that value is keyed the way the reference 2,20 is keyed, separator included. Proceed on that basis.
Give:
3,35
